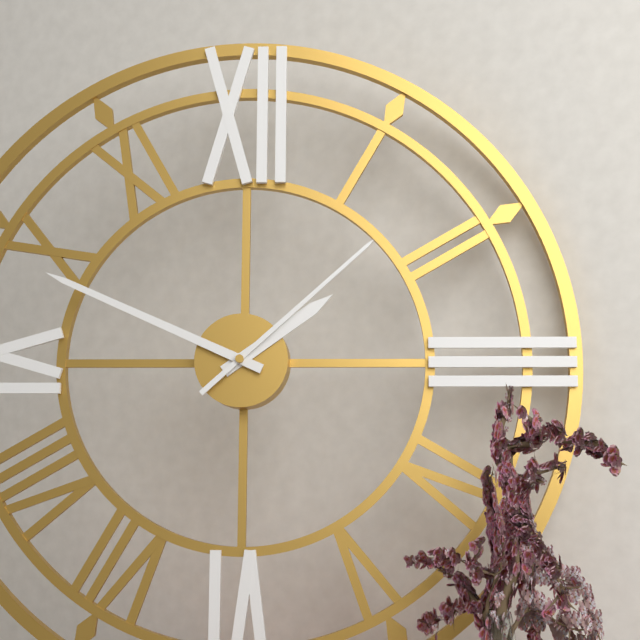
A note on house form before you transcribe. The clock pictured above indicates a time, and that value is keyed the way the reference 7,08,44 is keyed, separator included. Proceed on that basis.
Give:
1,49,08
